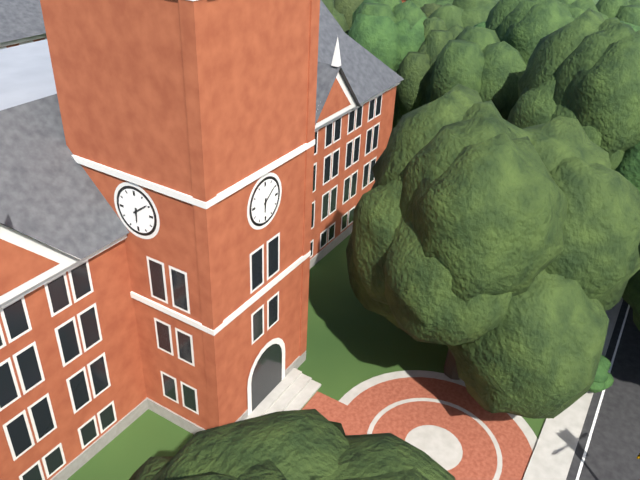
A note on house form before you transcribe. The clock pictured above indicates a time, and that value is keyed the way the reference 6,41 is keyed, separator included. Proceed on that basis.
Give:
6,09
